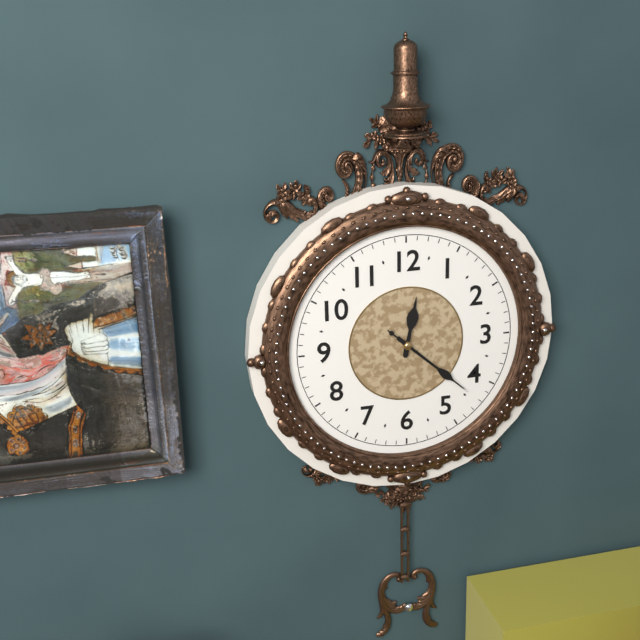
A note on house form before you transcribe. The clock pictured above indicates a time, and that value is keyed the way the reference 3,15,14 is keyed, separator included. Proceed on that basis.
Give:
12,22,22
